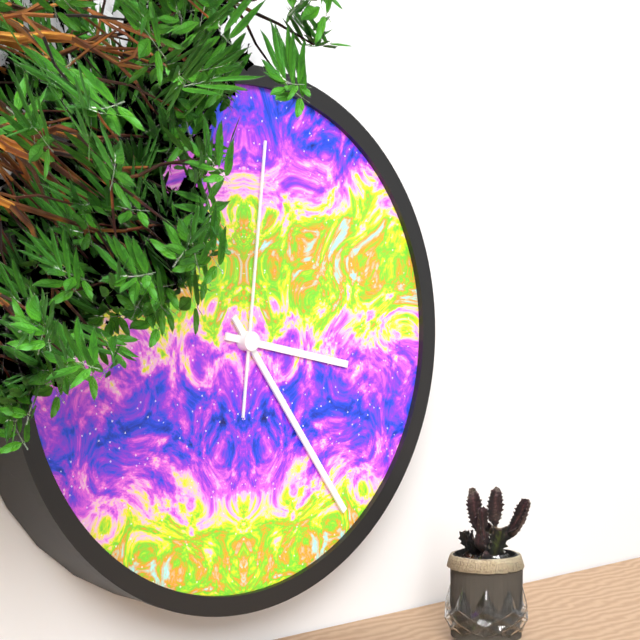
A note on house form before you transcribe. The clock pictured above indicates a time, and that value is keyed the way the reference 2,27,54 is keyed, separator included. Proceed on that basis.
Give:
3,24,01
